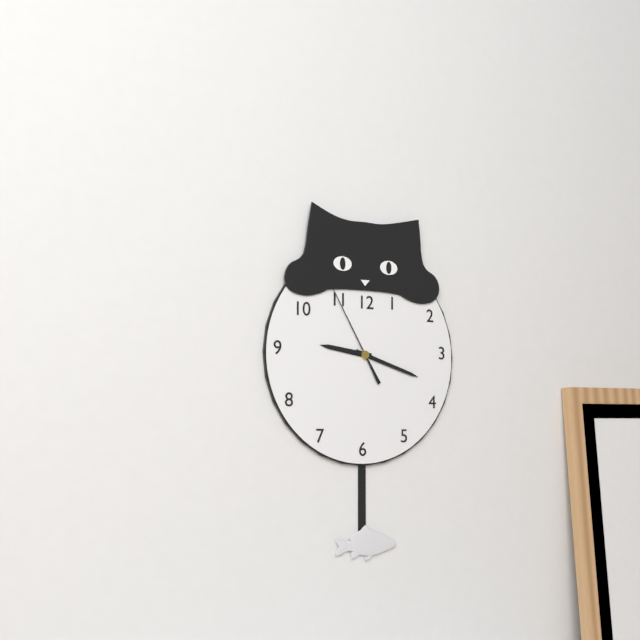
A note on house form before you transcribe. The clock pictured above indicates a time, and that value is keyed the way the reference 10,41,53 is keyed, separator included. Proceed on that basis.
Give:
9,18,55
